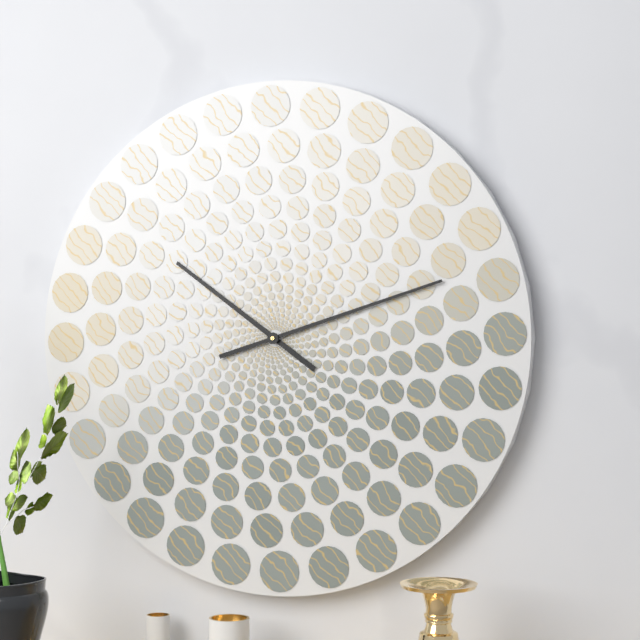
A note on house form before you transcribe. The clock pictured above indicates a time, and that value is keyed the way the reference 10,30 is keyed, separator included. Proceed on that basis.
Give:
10,12
